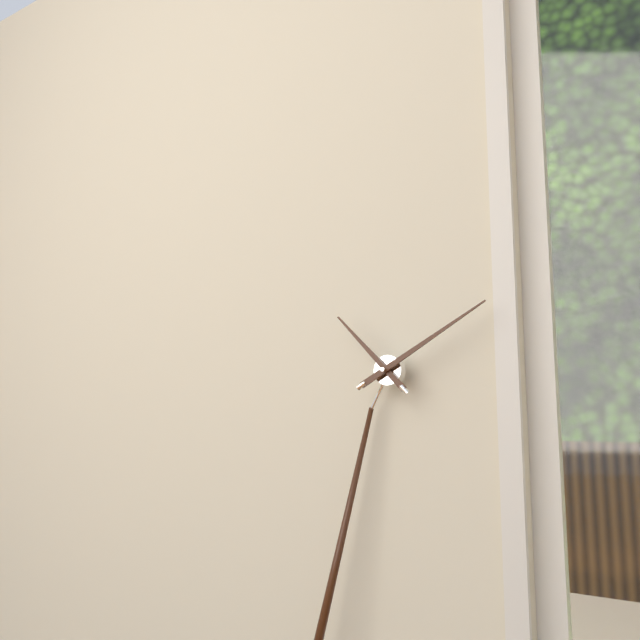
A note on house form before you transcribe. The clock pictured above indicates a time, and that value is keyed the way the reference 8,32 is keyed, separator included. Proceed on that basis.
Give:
10,08
